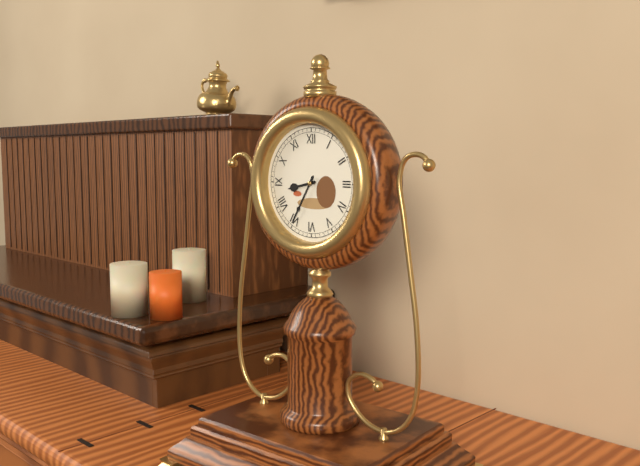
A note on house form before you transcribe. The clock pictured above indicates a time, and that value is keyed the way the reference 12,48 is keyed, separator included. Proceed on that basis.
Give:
8,35
